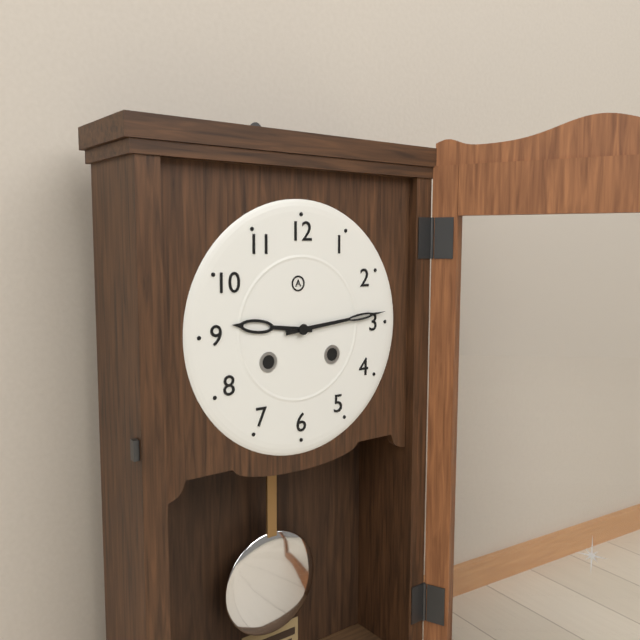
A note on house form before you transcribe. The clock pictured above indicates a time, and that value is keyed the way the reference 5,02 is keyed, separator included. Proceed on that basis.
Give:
9,14
